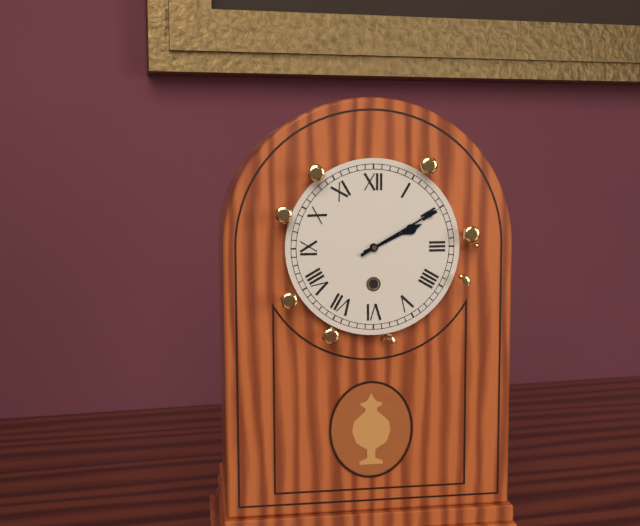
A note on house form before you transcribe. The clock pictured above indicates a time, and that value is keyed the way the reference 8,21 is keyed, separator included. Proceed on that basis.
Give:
2,10
